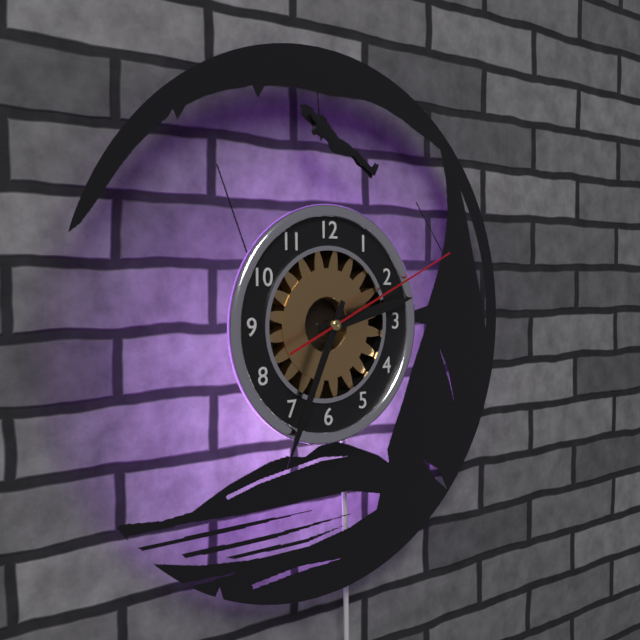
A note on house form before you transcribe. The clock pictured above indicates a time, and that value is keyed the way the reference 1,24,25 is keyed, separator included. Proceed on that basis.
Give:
2,34,11
